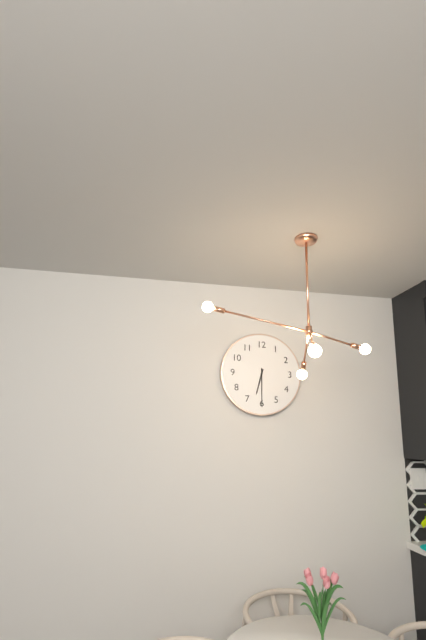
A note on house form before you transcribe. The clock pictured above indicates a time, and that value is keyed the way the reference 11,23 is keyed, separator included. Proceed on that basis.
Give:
6,30
